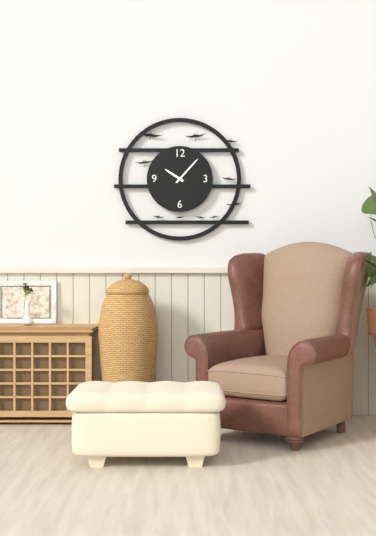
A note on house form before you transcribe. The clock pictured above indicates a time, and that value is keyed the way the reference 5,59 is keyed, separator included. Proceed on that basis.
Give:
10,07
